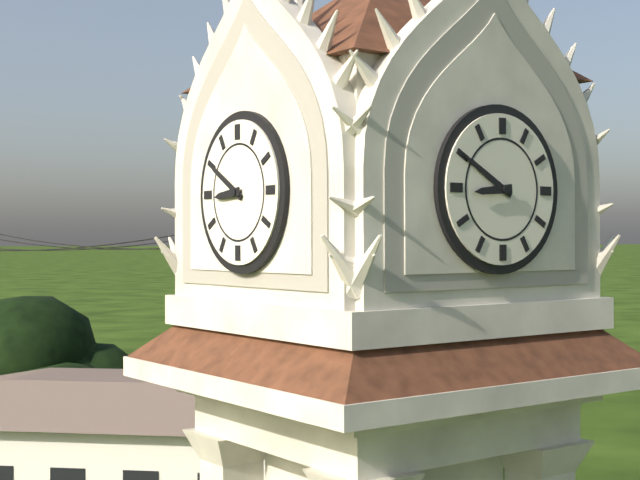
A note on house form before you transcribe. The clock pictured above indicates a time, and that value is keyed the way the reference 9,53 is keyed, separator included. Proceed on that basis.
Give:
8,50
